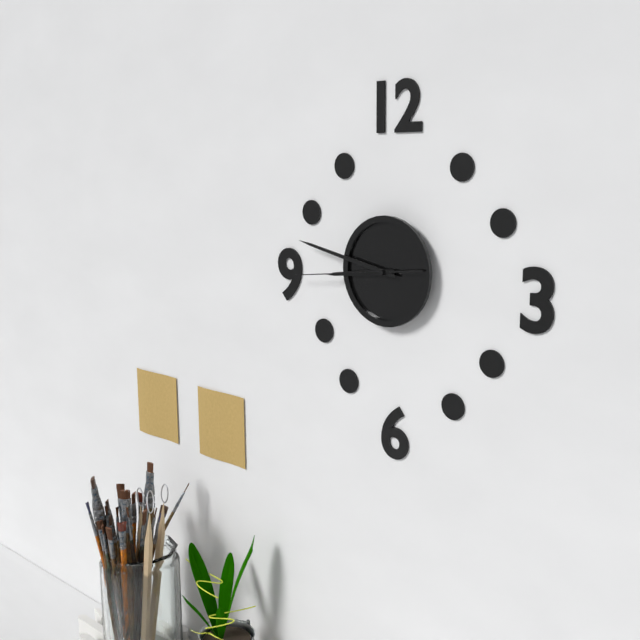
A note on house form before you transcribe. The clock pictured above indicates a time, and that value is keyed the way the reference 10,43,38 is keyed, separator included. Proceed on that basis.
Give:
8,47,44
